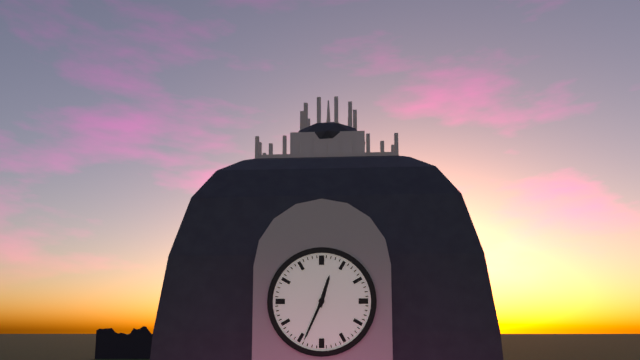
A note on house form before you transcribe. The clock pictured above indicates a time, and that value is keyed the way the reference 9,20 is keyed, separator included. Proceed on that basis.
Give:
12,34
